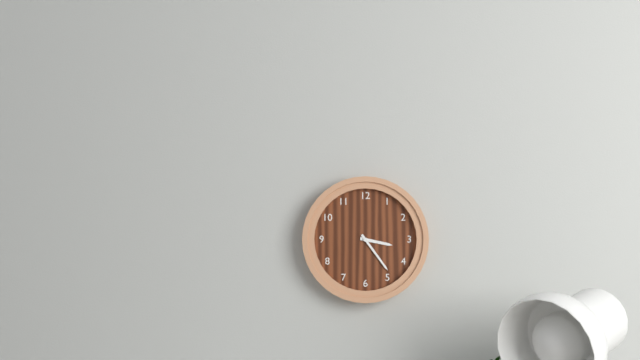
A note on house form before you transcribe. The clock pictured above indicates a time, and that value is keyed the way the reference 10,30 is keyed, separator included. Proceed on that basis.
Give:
3,24
